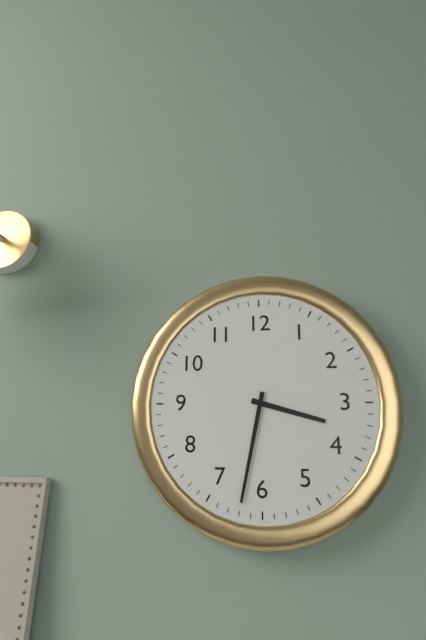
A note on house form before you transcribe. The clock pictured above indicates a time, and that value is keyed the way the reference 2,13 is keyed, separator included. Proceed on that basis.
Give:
3,32
